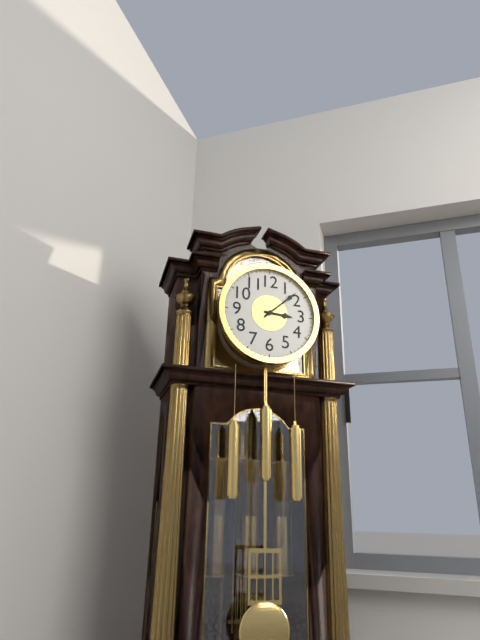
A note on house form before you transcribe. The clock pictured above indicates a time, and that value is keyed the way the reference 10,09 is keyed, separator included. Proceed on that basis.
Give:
3,08
